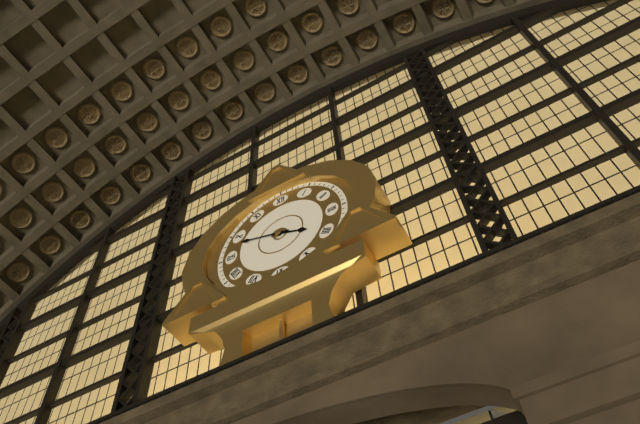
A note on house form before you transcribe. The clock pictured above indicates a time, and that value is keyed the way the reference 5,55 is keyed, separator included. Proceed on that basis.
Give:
3,48
